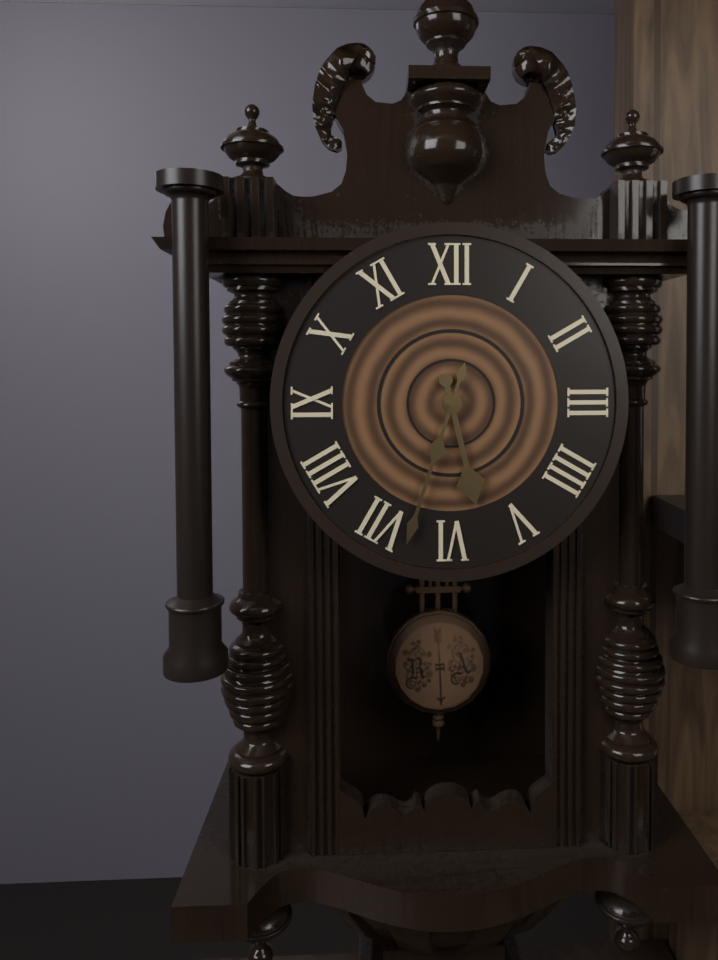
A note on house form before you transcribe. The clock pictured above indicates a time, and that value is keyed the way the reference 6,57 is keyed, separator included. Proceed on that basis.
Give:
5,33
